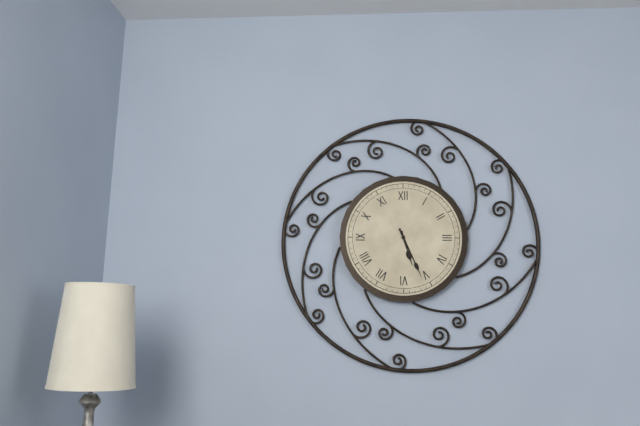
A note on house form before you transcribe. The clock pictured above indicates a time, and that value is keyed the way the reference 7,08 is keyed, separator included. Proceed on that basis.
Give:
5,26
